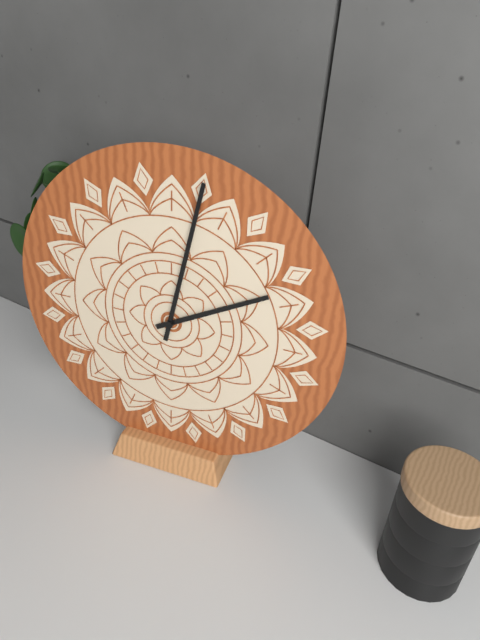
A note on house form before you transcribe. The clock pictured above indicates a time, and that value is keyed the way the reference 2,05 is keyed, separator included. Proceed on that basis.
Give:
2,02
